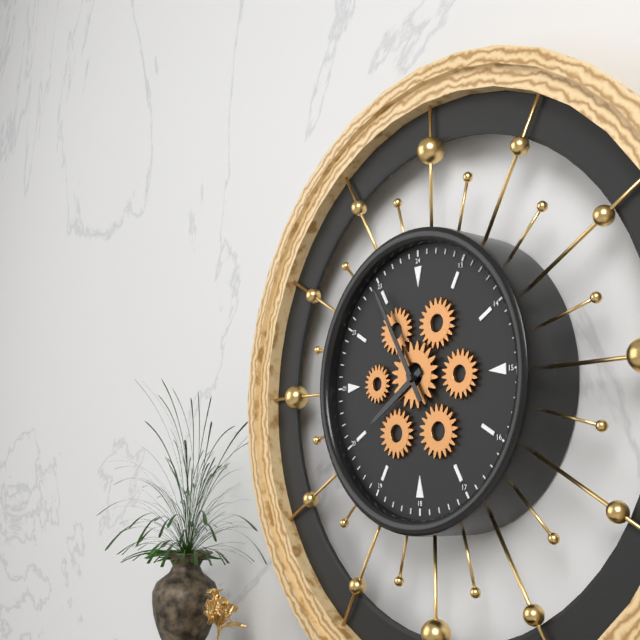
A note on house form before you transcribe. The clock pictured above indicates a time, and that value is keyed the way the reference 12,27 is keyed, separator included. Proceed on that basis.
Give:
7,55
